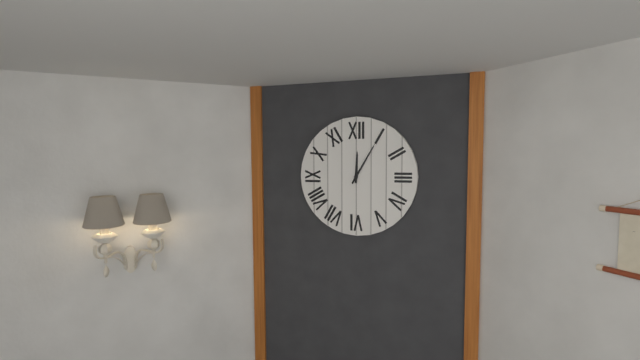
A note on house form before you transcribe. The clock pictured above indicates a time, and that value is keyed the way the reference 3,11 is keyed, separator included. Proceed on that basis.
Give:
12,05
